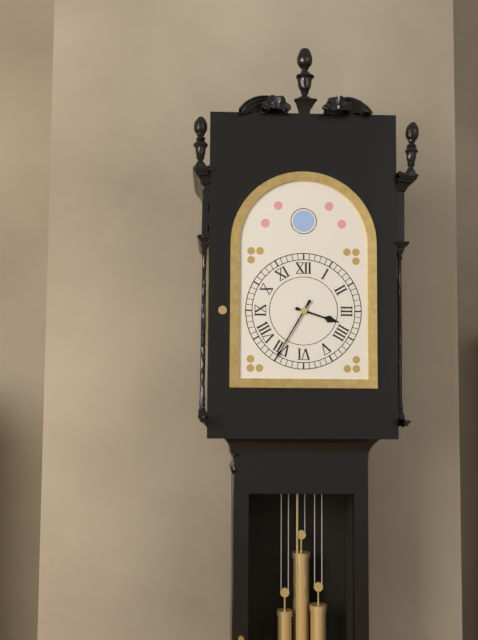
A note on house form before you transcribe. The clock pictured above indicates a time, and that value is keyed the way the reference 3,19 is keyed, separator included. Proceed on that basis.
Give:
3,35
